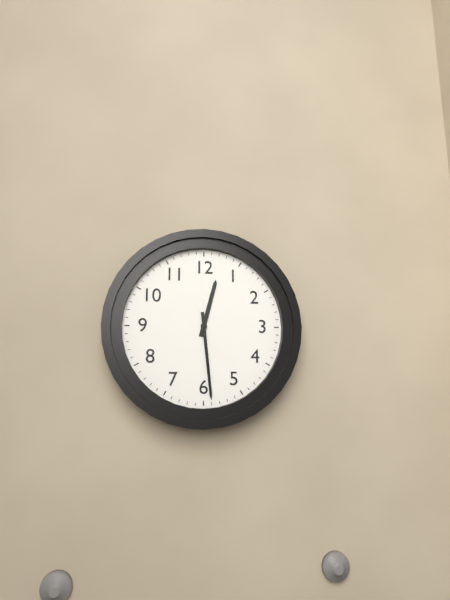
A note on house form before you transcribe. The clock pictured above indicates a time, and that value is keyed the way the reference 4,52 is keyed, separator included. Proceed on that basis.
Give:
12,29
